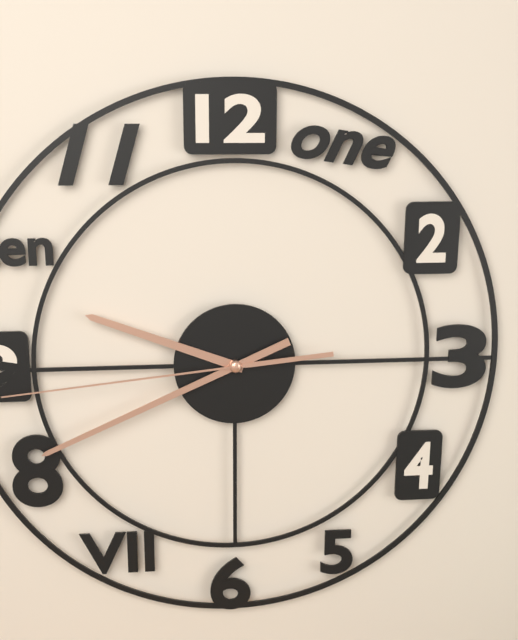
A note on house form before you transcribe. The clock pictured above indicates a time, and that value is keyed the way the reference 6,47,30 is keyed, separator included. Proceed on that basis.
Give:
9,41,44
